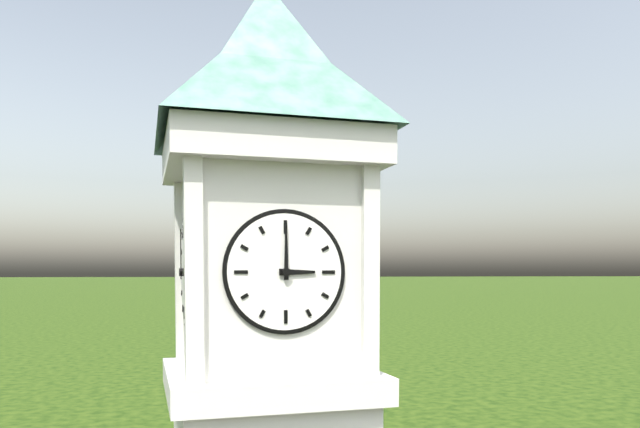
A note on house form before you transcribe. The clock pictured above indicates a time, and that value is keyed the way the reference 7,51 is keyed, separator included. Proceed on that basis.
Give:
3,00
